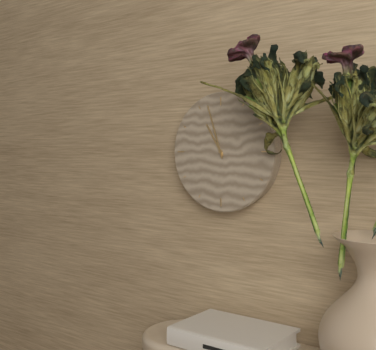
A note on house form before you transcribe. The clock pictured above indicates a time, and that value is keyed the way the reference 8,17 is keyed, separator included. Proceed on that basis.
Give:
10,57
